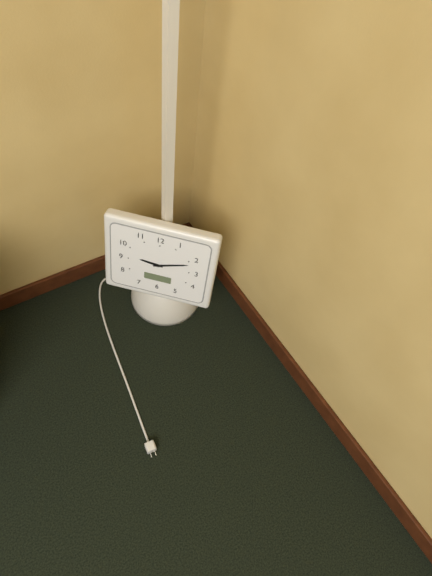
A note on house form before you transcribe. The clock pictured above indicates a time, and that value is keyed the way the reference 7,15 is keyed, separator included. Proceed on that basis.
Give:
9,12
